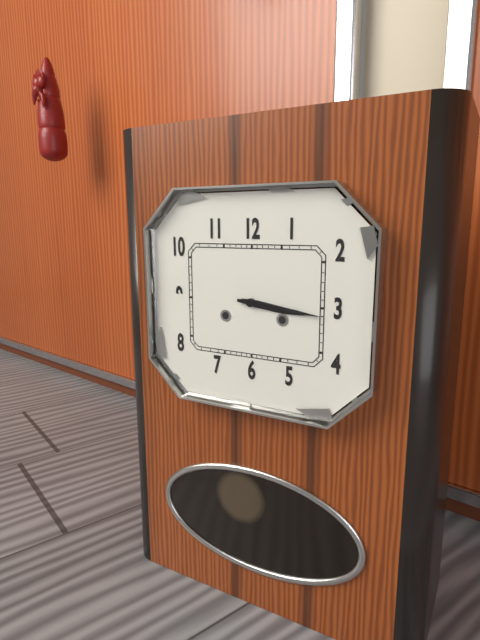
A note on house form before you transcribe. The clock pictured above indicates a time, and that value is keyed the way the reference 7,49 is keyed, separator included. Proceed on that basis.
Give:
3,16
